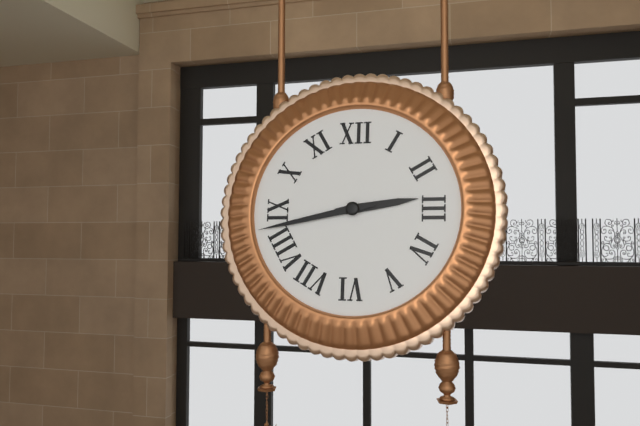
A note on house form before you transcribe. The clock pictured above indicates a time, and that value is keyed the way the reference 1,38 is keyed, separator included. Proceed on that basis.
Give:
2,43
